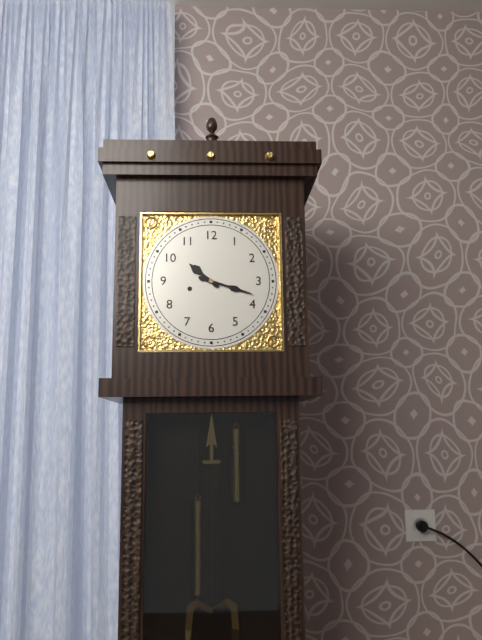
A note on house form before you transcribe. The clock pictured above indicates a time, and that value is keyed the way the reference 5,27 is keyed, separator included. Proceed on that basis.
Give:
10,18
